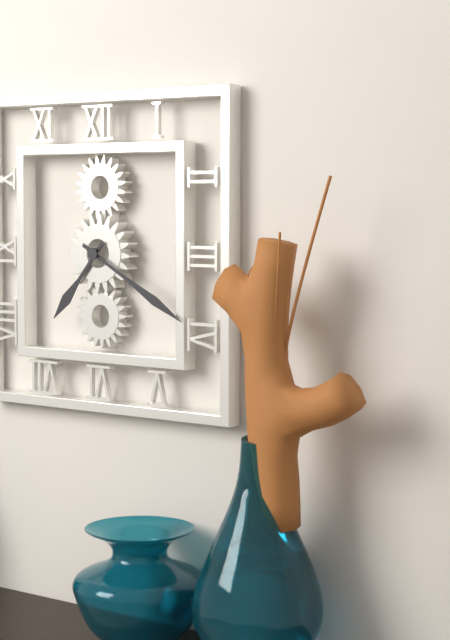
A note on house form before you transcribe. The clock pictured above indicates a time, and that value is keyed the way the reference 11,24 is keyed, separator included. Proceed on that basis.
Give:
7,20
